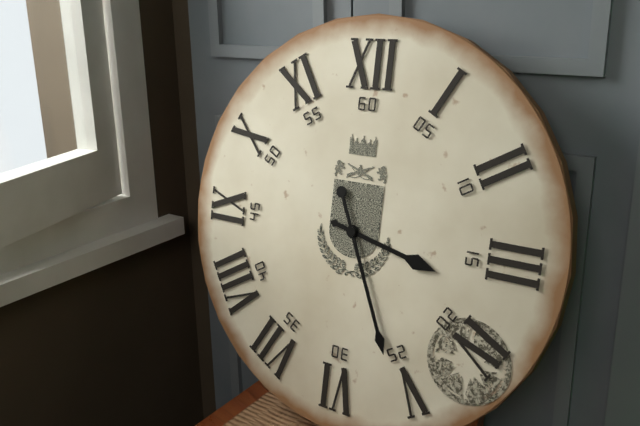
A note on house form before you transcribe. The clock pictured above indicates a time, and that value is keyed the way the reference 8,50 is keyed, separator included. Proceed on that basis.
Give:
3,26
